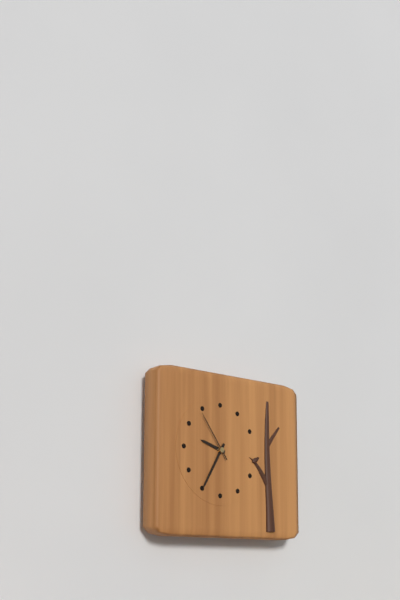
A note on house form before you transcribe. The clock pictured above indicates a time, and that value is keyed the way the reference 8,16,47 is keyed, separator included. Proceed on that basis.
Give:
9,35,54
